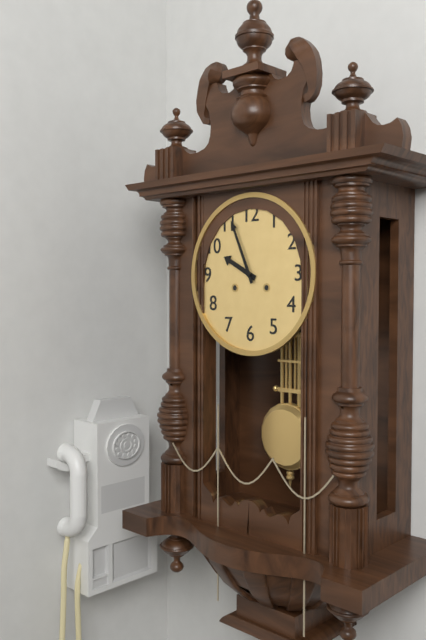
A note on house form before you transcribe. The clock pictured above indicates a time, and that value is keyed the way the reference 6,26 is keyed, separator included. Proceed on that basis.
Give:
9,56
